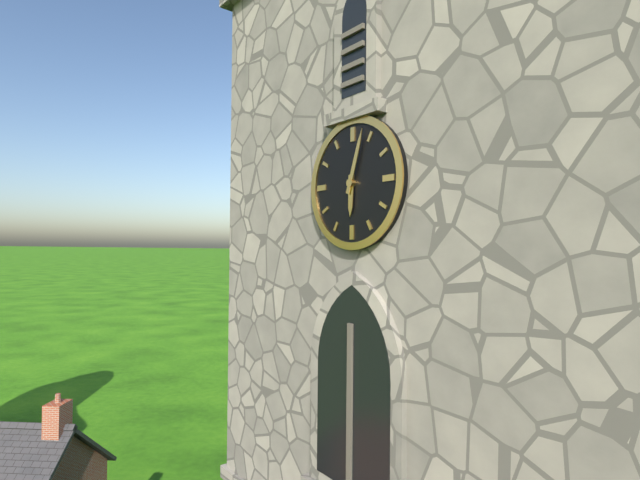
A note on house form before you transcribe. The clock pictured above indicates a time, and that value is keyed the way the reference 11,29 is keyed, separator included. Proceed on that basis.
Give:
6,03
